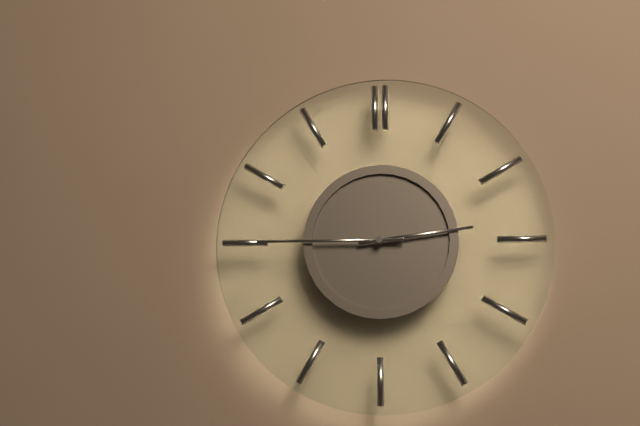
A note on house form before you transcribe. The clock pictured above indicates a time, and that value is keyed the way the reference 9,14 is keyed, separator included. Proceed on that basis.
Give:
2,45
